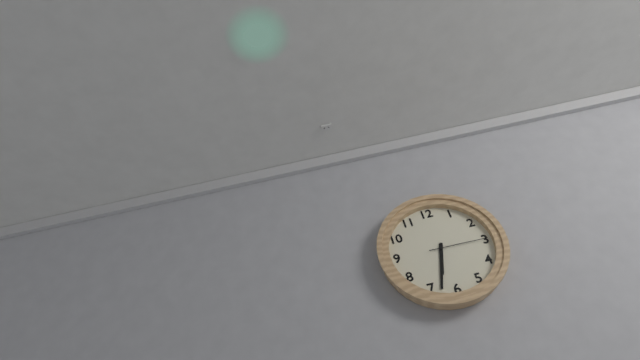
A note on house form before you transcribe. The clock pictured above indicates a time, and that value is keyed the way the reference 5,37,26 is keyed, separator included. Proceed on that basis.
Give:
6,33,15
